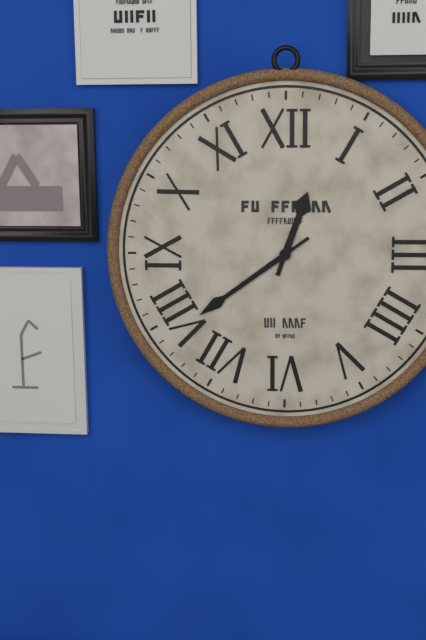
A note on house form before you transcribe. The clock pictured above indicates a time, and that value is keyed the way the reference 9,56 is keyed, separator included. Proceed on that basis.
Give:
12,39
